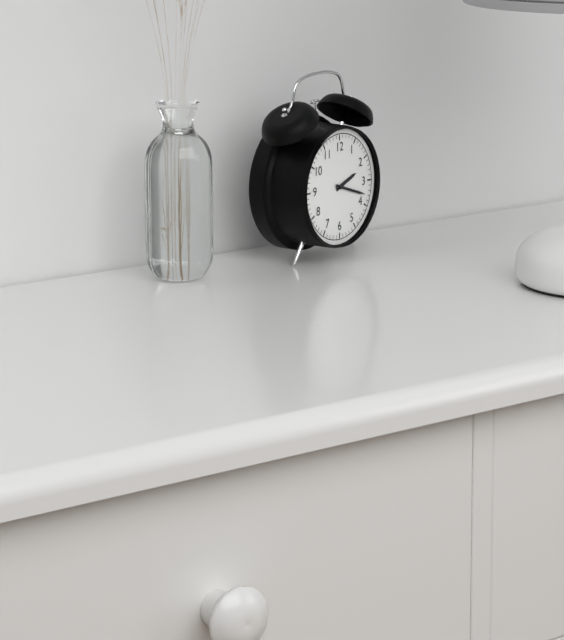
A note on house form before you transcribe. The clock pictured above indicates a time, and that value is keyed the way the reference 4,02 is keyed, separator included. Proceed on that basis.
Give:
2,18
